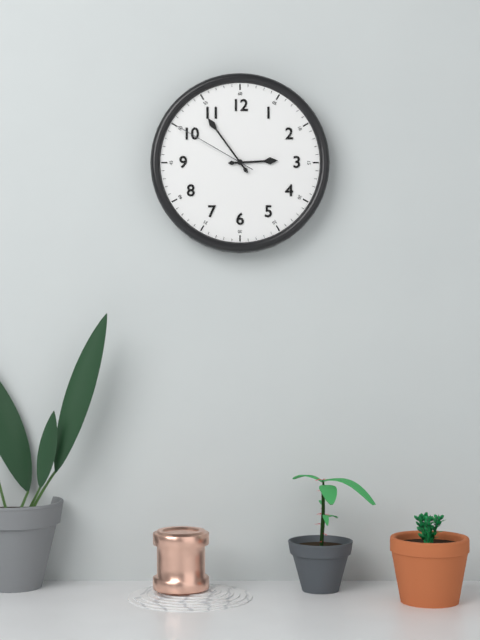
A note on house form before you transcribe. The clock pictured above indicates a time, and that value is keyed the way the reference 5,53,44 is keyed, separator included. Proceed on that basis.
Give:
2,54,50
